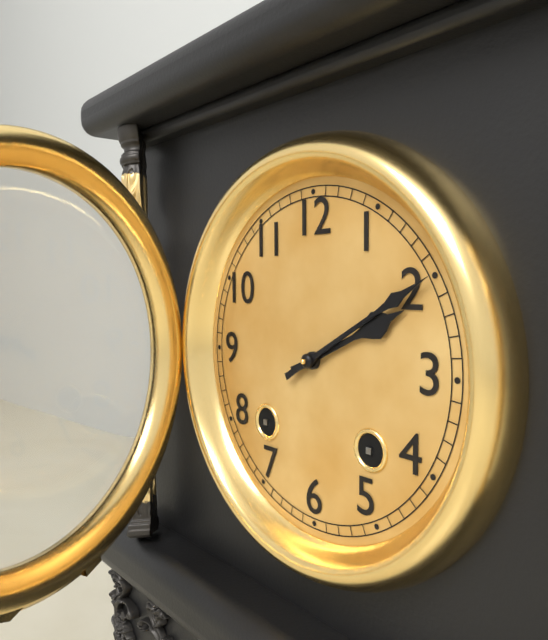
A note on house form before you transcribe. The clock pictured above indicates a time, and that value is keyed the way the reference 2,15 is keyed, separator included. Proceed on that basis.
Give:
2,10
